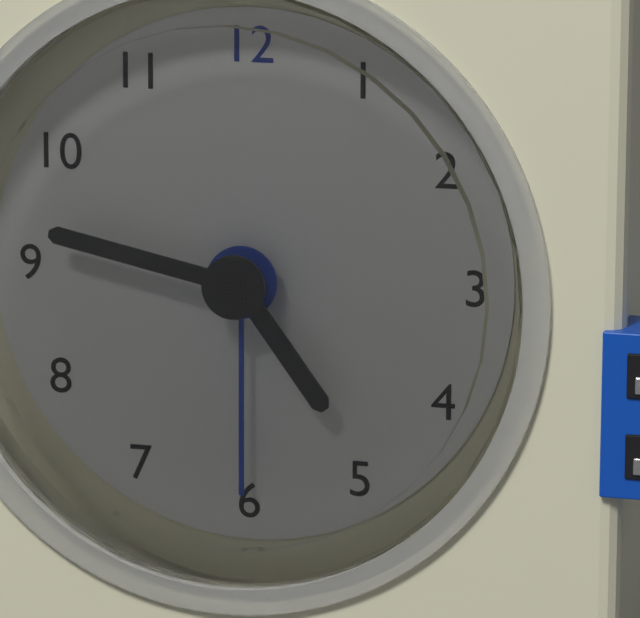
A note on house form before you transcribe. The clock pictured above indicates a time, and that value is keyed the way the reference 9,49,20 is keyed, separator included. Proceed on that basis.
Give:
4,47,30
